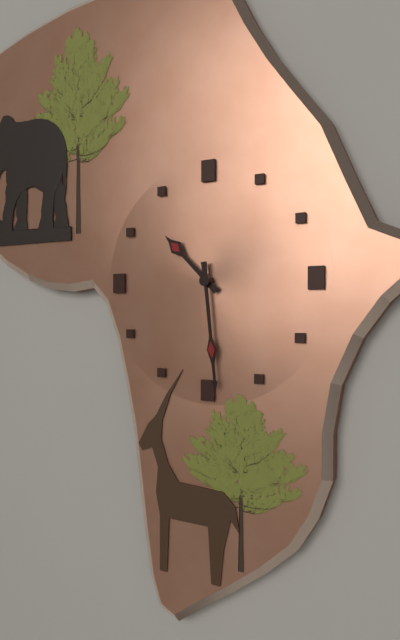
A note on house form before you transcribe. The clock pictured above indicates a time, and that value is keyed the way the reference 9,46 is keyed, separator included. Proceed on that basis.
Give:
10,29
